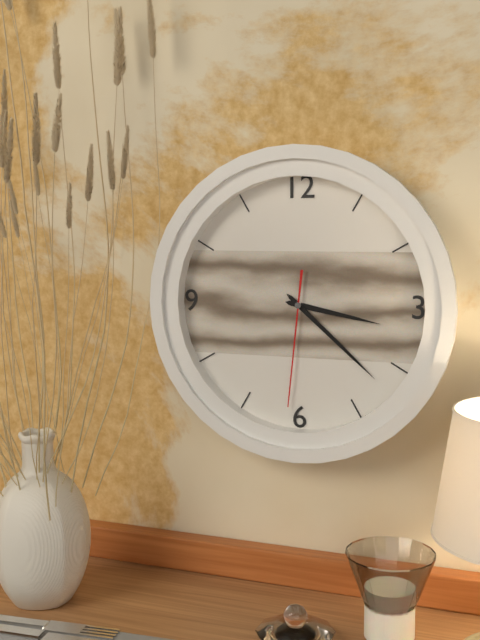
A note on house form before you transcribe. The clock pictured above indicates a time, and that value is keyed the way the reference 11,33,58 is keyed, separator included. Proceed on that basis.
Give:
3,22,31
